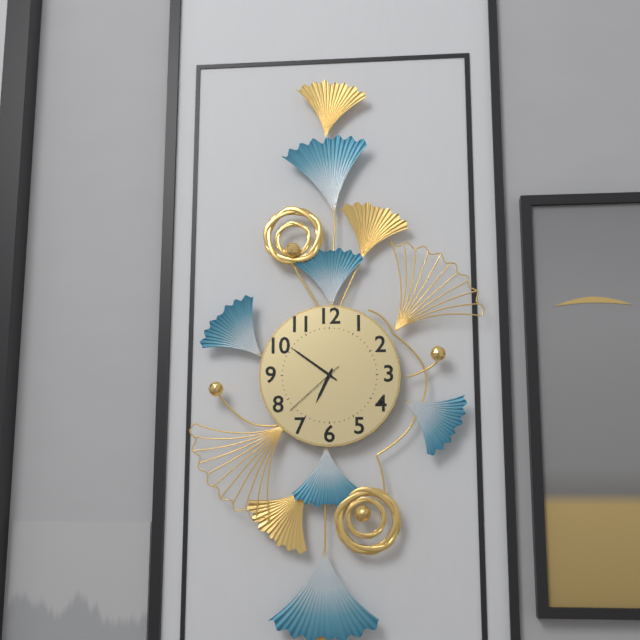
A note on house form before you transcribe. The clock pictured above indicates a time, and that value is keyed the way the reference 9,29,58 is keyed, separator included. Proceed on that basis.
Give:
6,51,38
